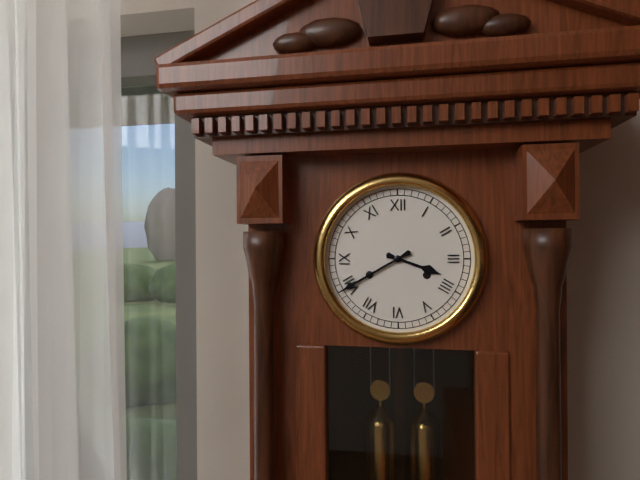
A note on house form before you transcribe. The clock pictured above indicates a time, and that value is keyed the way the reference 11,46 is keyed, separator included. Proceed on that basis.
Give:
3,40
